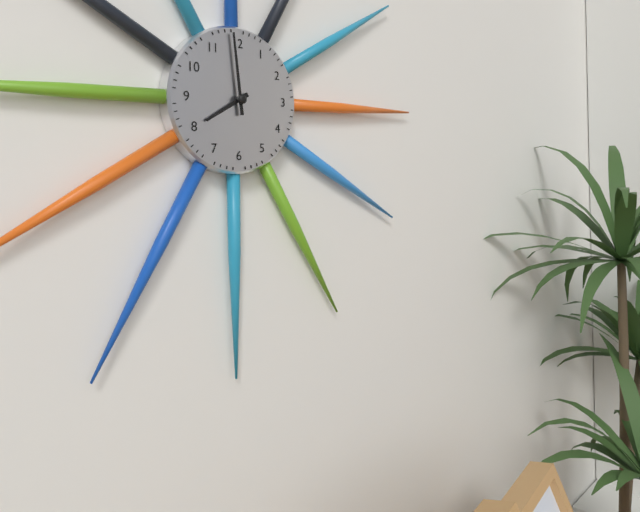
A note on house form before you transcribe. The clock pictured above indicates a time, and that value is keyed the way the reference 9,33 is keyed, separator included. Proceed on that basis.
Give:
7,59
